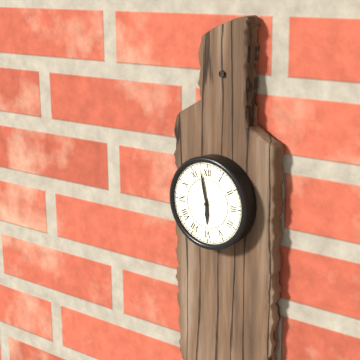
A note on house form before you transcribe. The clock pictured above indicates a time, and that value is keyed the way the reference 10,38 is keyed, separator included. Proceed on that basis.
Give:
5,58
